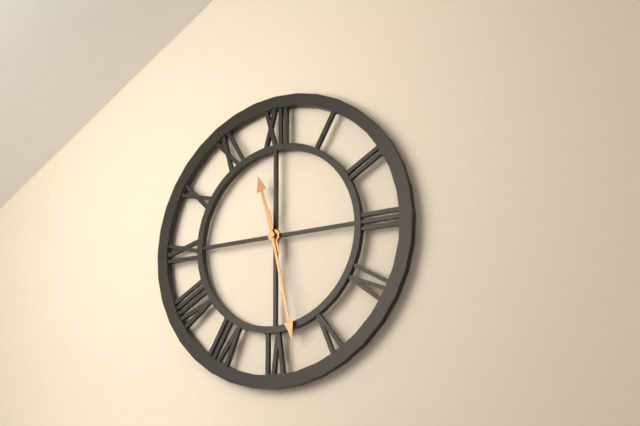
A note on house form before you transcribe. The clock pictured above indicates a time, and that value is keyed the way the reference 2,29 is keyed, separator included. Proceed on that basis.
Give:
11,28
